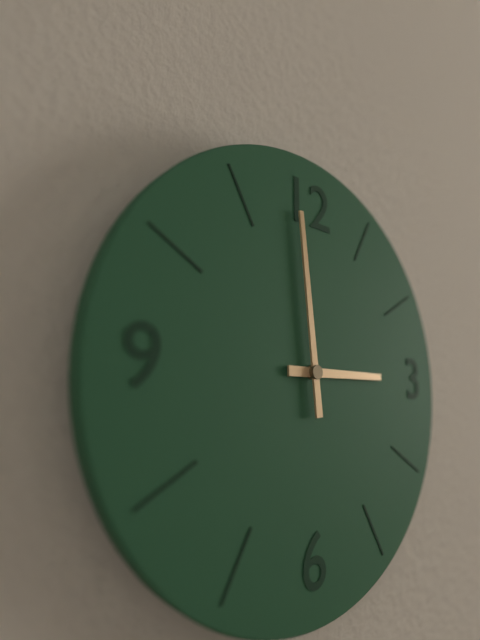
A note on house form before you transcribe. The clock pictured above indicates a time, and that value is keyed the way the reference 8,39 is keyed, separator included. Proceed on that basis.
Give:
2,59
